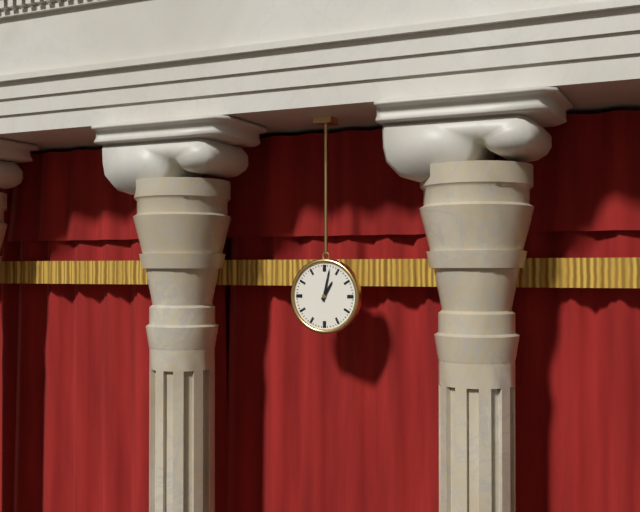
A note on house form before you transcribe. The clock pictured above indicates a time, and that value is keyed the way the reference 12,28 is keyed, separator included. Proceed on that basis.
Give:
1,02
